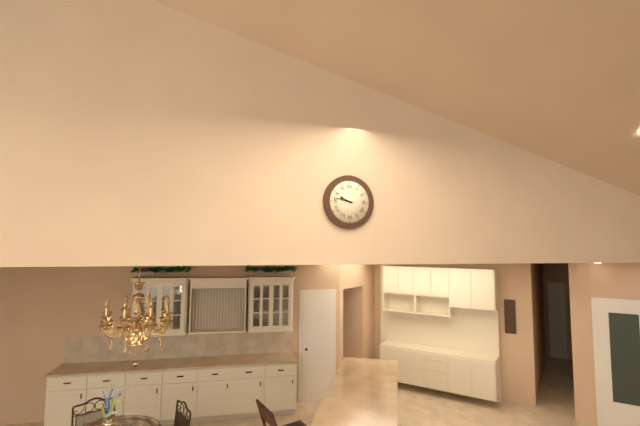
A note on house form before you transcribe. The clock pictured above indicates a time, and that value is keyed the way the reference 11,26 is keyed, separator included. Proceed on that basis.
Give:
9,47
